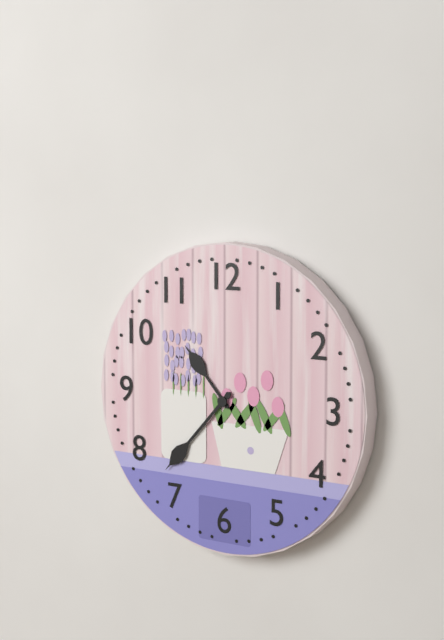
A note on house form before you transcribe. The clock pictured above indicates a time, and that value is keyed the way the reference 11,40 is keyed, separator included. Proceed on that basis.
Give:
10,37
